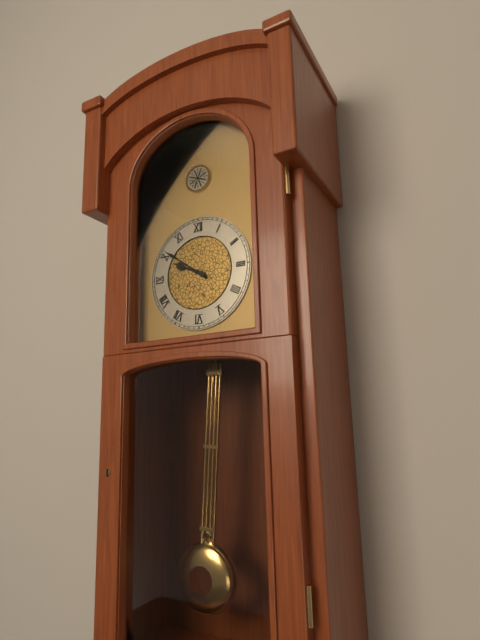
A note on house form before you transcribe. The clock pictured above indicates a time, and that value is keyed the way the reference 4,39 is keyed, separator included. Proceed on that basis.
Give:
9,51
